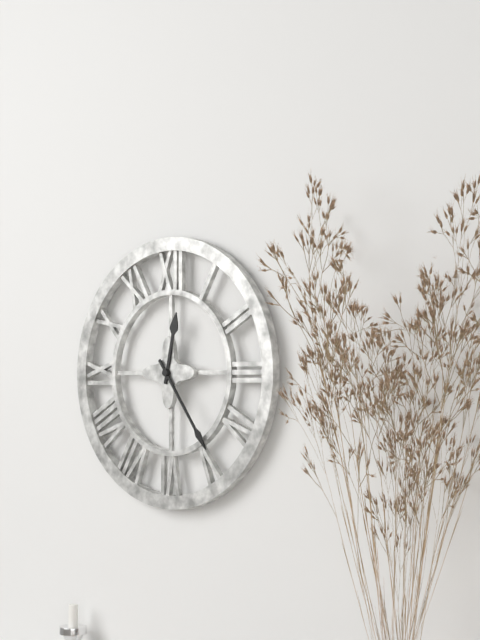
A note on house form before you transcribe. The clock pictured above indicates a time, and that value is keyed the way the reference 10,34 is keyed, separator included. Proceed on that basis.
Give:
12,24
